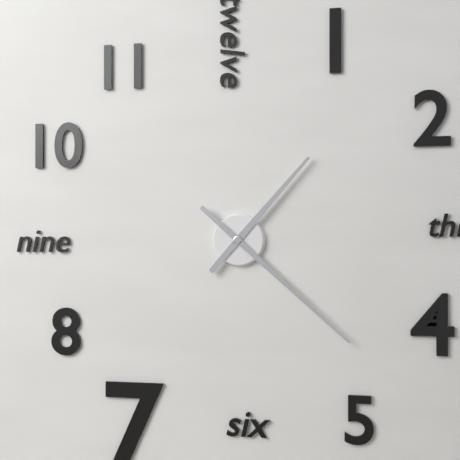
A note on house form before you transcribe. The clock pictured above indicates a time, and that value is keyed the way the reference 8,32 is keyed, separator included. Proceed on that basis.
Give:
1,22
